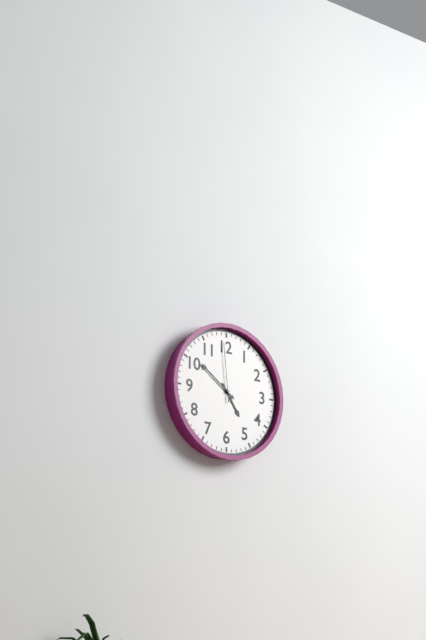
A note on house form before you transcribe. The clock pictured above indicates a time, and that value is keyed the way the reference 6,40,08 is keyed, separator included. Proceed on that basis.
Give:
4,51,59
